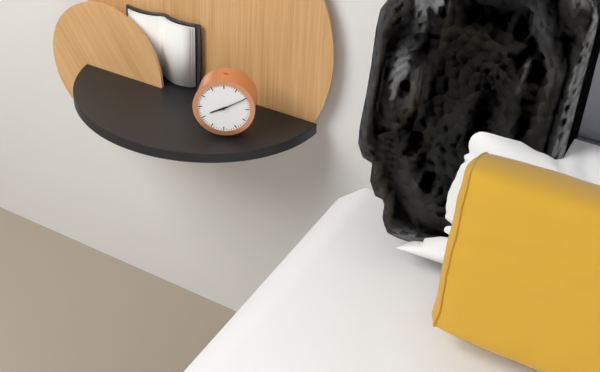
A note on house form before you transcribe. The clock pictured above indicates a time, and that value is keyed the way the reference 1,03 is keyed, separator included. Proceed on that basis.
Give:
8,10
